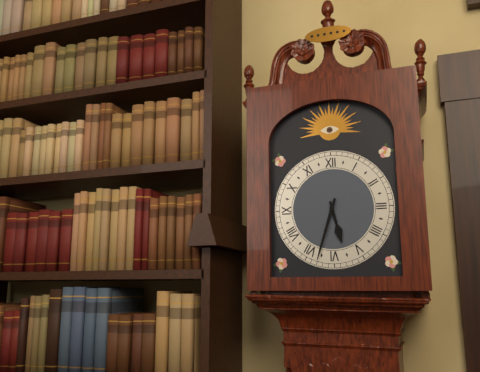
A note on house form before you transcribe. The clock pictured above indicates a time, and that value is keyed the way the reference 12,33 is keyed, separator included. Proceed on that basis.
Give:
5,33
